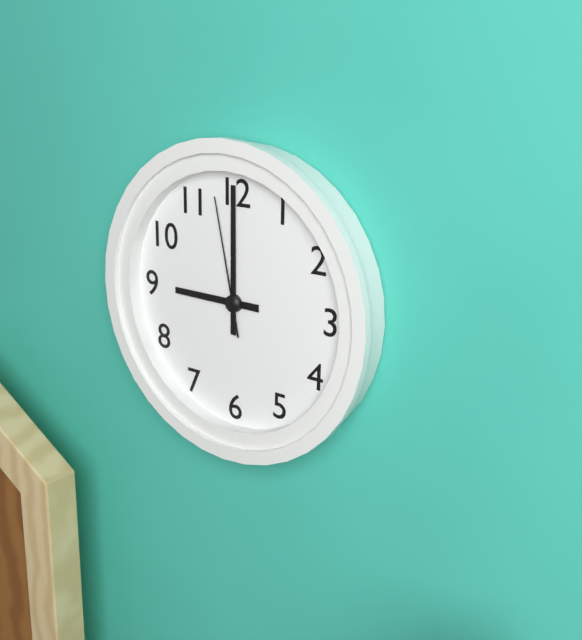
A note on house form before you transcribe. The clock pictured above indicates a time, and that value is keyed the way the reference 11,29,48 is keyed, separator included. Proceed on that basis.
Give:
9,00,58
